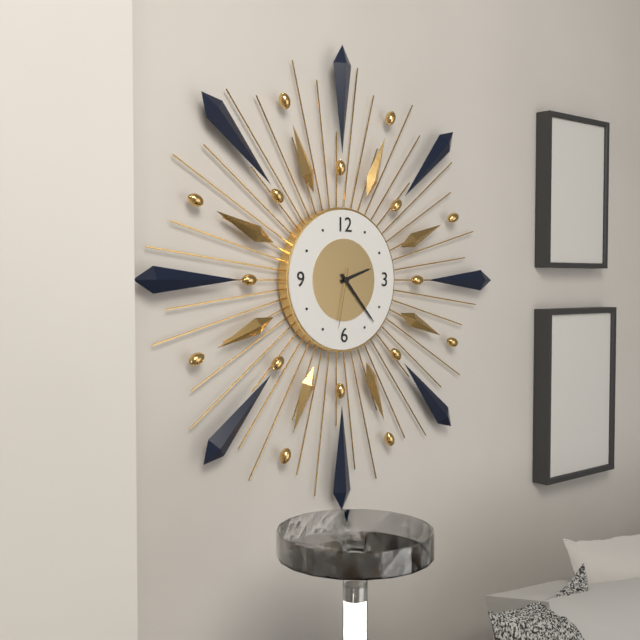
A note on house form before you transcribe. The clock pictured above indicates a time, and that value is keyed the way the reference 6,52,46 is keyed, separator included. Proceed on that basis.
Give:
2,23,32
